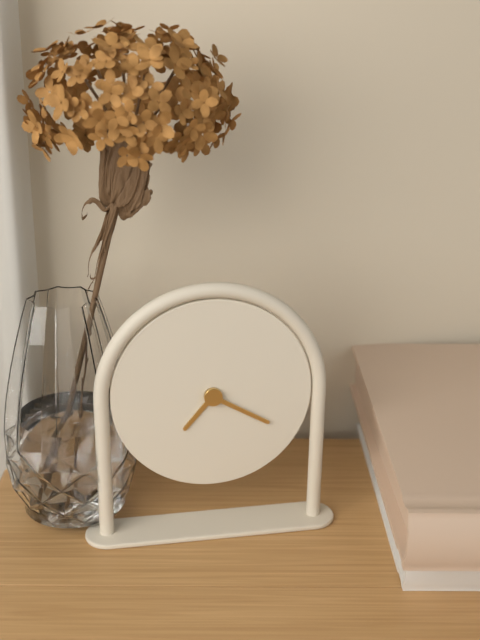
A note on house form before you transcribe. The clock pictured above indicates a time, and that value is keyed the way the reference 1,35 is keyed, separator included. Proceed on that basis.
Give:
7,20
